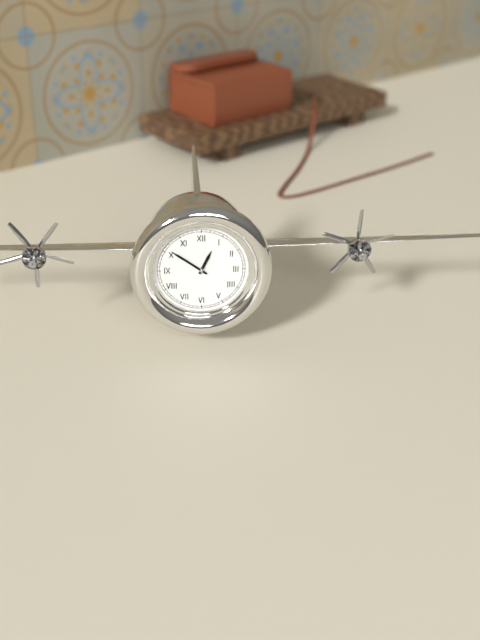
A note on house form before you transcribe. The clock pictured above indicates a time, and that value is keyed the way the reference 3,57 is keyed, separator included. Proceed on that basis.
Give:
12,51
